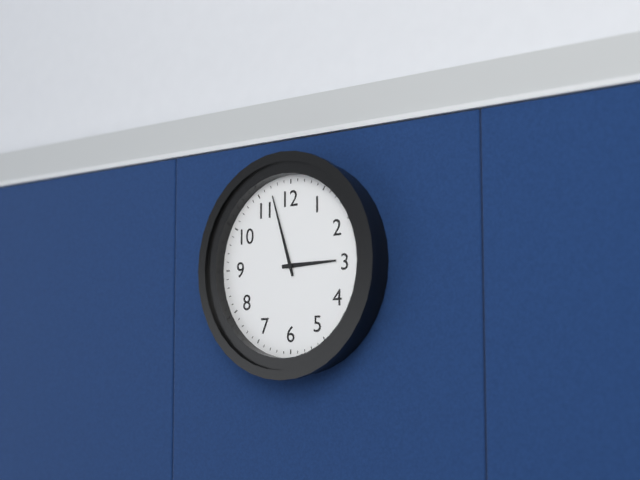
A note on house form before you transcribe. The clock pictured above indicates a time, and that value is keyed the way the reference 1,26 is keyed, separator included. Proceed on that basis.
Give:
2,57
